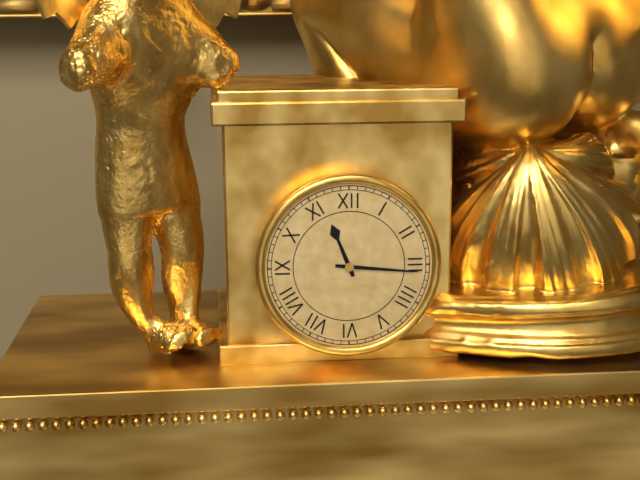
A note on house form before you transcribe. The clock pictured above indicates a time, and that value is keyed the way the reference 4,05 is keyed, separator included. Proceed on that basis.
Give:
11,16
